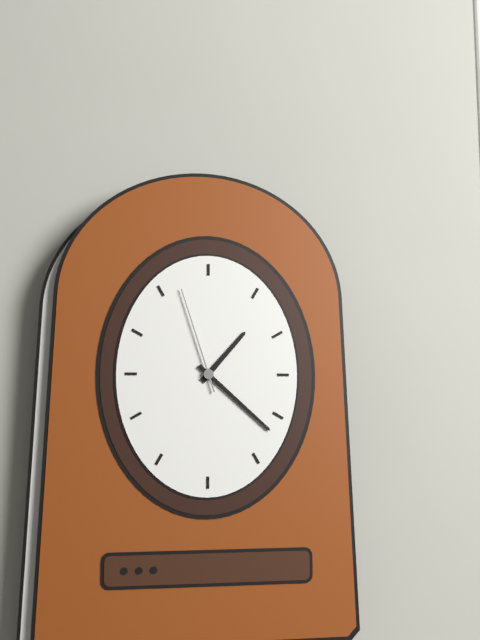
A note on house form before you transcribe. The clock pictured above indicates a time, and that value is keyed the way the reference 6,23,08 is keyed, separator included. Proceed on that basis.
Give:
1,22,57
